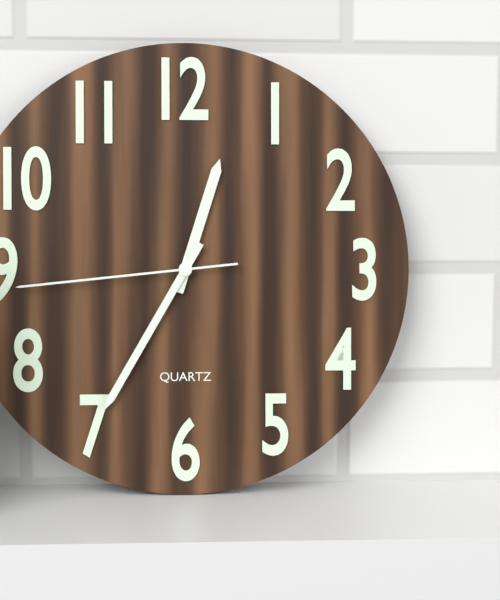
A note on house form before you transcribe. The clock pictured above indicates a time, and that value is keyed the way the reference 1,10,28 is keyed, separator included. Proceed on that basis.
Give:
12,35,44
